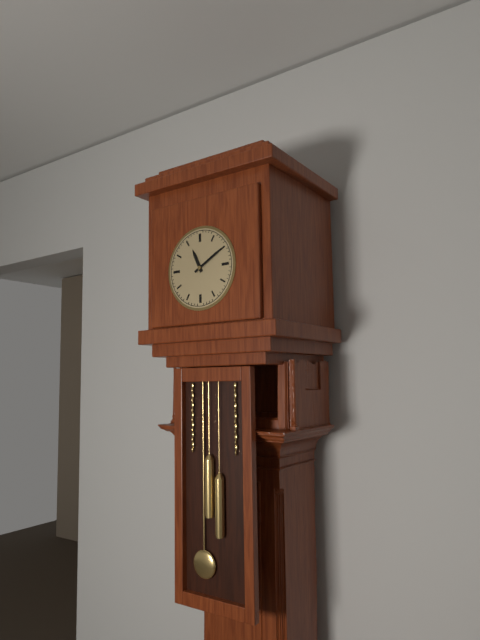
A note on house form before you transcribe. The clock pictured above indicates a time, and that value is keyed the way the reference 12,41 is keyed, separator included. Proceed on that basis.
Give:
11,10
